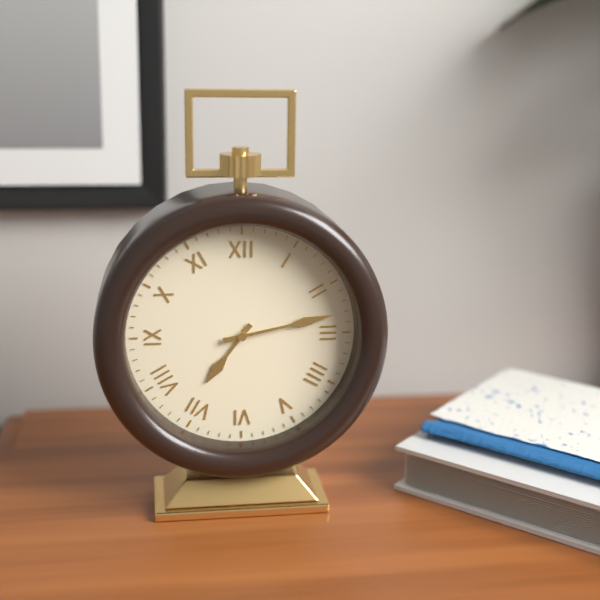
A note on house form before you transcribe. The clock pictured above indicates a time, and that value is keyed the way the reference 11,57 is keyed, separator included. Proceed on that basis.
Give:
7,13
